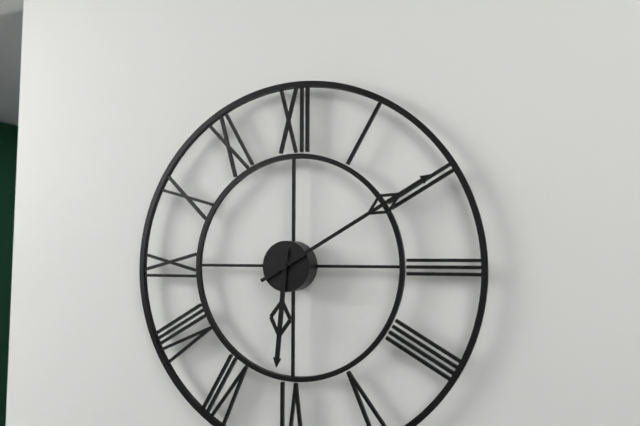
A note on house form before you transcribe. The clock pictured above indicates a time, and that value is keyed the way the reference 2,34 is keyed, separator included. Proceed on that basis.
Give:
6,10
